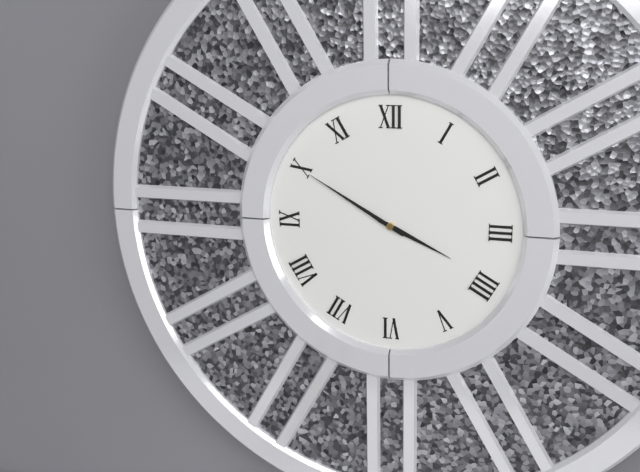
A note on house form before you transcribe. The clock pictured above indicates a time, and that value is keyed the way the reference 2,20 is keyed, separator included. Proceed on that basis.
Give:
3,50
